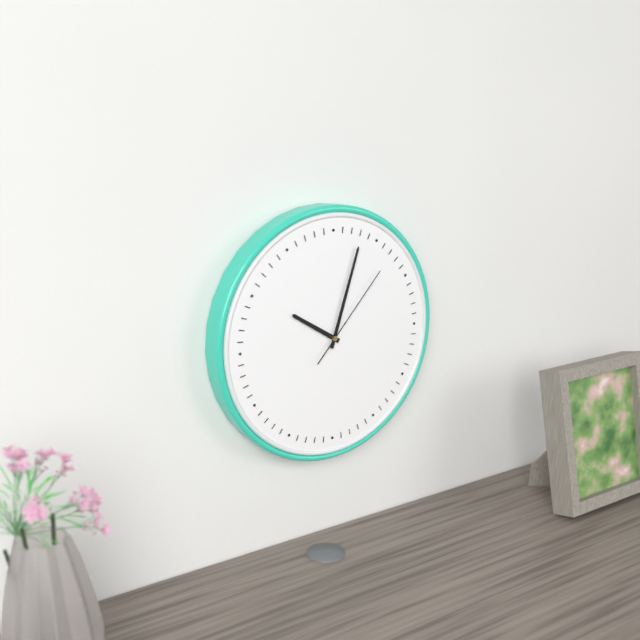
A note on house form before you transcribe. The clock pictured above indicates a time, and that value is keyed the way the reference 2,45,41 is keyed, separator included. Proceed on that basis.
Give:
10,03,07
